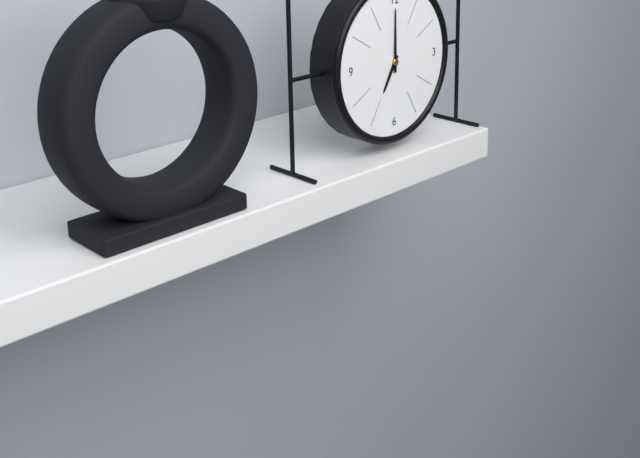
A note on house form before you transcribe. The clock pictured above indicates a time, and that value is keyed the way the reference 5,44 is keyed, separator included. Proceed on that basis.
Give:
7,00
